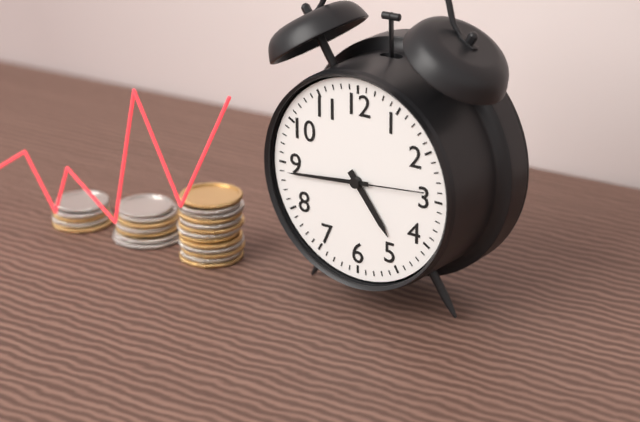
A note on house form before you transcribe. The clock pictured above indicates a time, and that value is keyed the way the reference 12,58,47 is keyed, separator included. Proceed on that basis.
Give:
4,44,14
